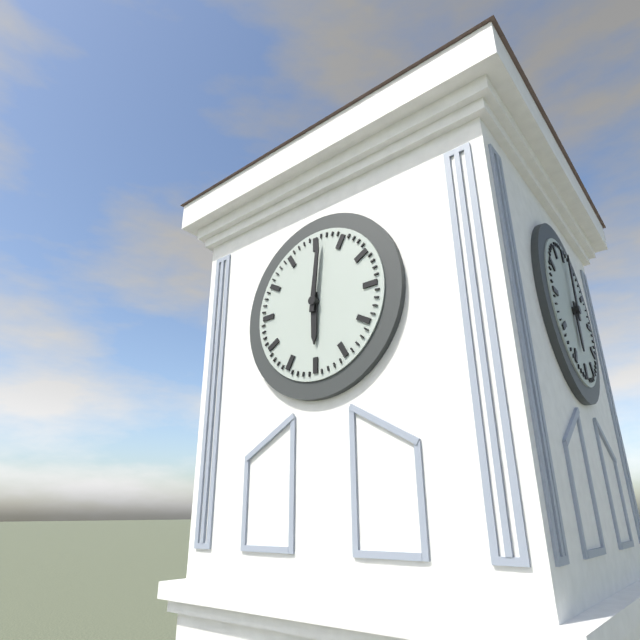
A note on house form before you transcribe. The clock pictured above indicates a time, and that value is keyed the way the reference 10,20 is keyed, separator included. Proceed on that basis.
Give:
6,01
